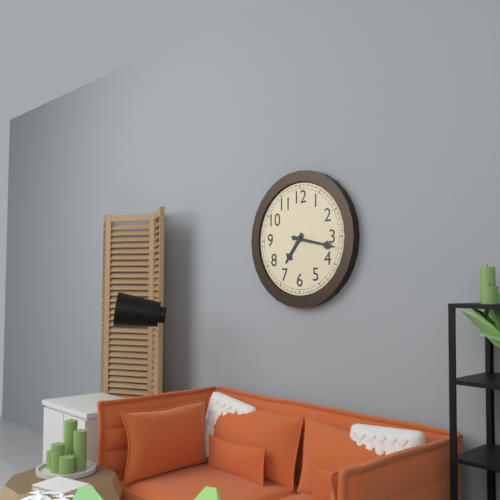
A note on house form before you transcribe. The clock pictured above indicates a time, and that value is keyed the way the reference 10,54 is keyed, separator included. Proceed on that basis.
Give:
7,17
